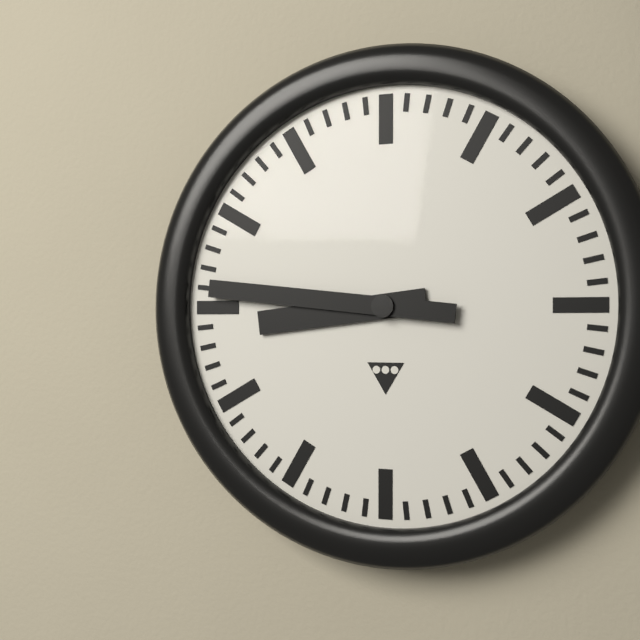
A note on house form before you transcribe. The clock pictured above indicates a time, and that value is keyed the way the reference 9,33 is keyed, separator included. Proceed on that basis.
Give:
8,46
